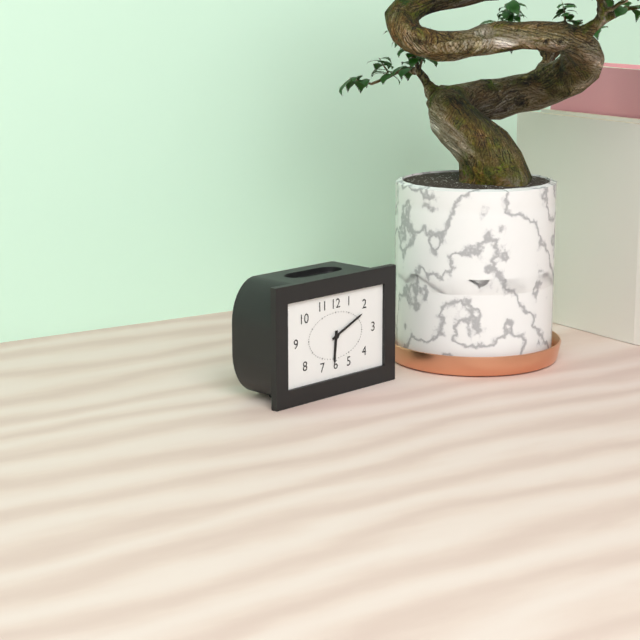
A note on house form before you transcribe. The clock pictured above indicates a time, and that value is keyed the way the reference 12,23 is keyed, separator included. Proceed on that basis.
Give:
6,11
